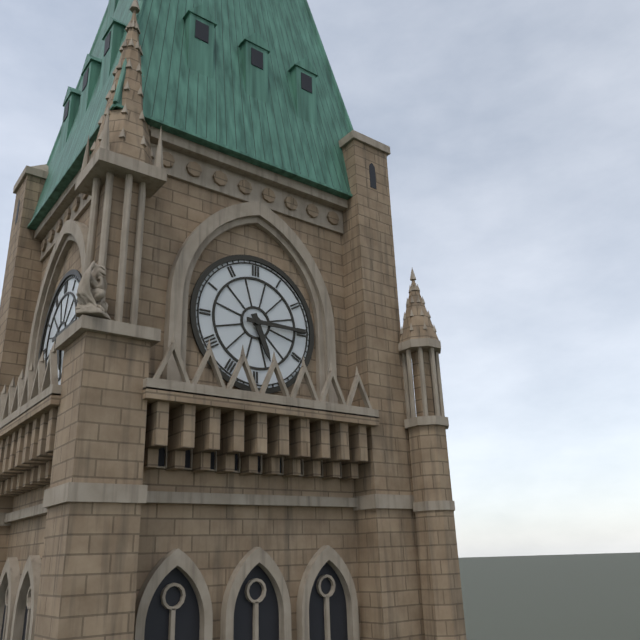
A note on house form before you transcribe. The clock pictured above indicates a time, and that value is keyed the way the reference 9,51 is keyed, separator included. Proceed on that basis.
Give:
5,15
